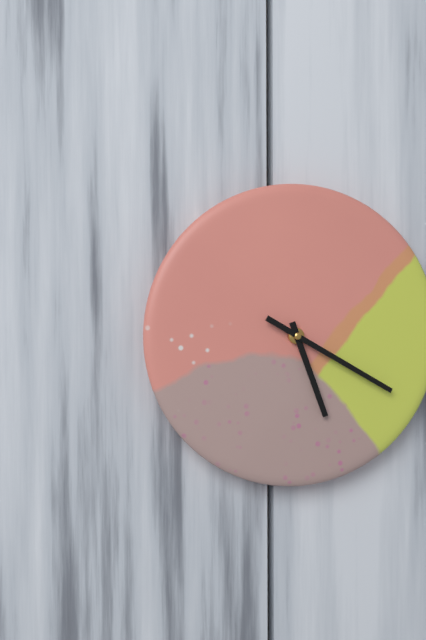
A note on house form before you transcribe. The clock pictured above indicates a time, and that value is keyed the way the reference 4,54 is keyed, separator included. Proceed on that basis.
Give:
5,20
